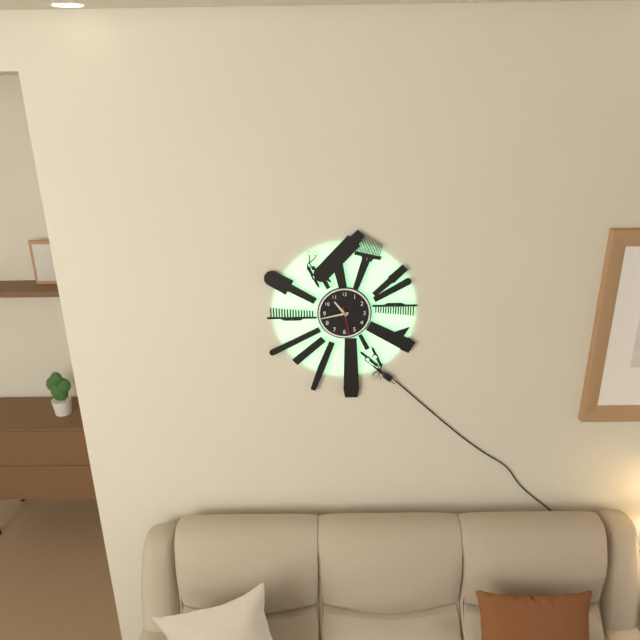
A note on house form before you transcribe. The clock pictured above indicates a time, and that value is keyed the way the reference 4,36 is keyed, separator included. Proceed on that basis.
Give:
10,43
